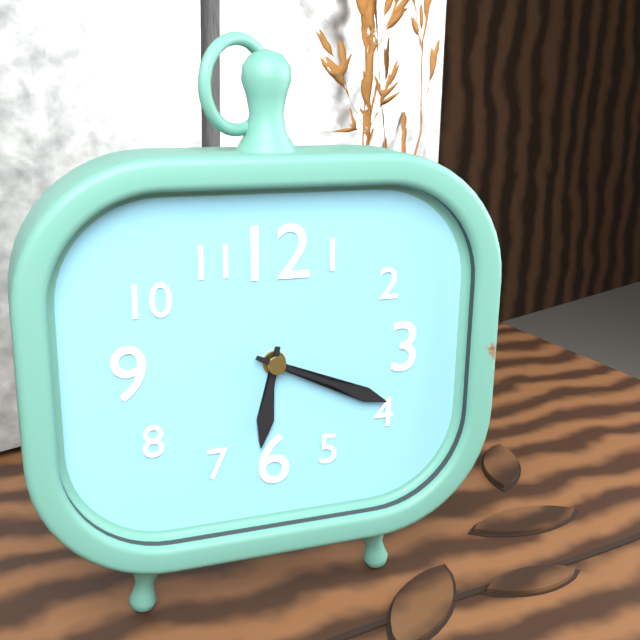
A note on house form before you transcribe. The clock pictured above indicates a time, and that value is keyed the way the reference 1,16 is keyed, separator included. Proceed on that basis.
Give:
6,19
